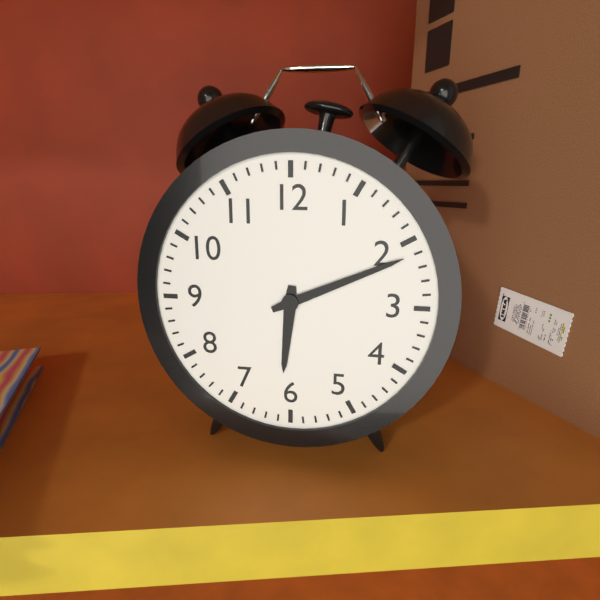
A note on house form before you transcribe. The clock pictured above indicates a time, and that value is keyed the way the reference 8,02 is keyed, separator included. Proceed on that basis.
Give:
6,11
